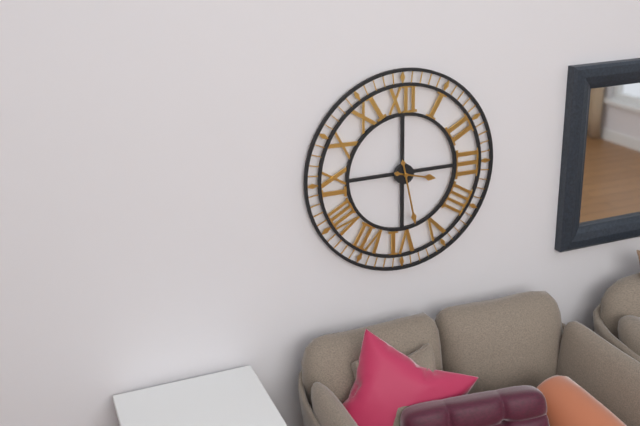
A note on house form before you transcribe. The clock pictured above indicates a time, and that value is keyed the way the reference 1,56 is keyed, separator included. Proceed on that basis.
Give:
3,28
